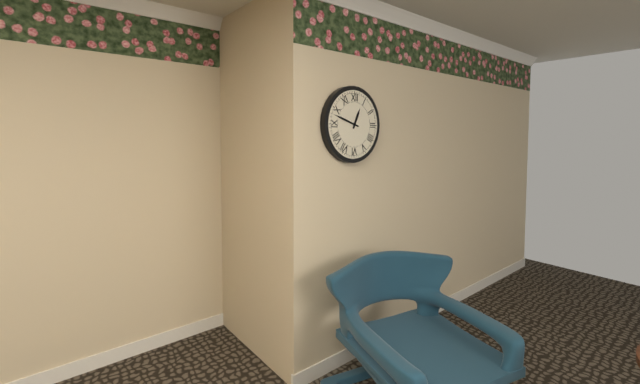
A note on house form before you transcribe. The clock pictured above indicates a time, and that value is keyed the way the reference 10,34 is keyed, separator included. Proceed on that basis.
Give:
12,48
